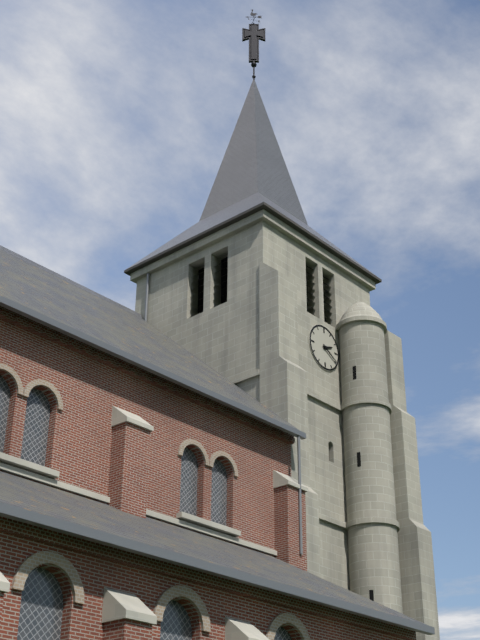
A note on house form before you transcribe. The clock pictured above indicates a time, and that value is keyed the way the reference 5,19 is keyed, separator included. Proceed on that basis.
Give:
2,20
